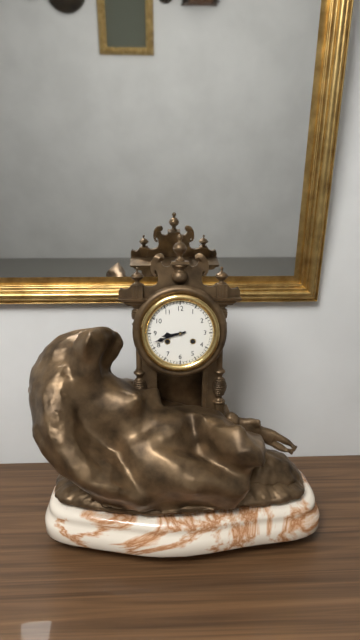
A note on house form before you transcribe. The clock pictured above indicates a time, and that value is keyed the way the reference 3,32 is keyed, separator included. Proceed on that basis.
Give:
8,42
